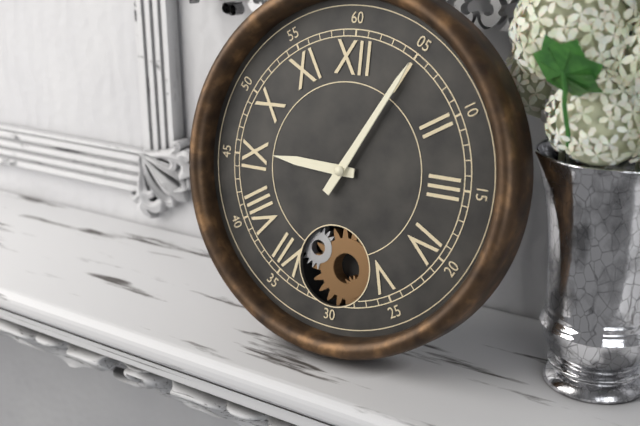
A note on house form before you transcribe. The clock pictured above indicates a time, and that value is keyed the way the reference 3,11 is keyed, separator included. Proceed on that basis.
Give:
9,05
